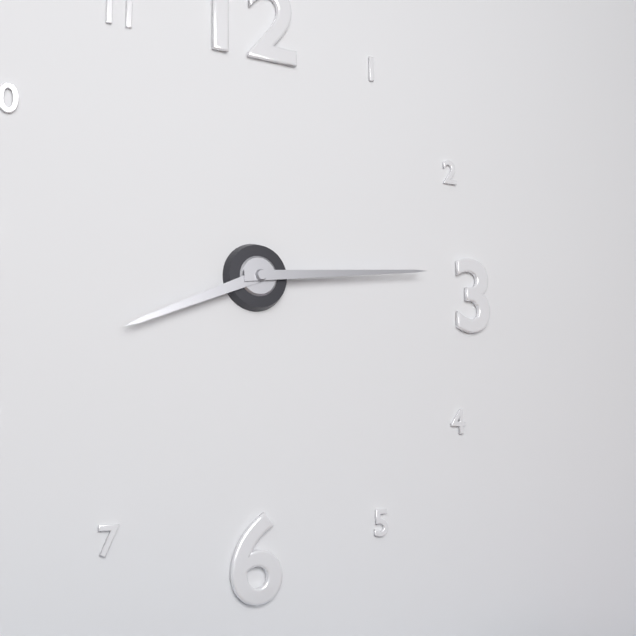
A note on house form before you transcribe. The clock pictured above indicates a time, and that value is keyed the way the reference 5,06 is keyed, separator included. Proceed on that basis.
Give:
8,14
